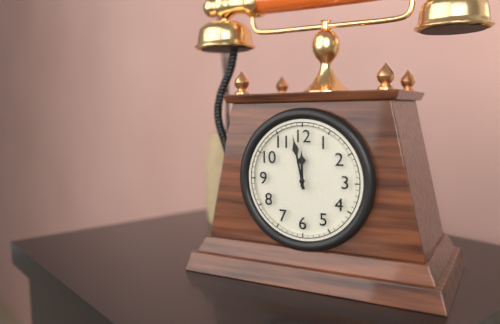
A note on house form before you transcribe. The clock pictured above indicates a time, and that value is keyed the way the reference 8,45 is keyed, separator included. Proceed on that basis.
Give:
11,58
